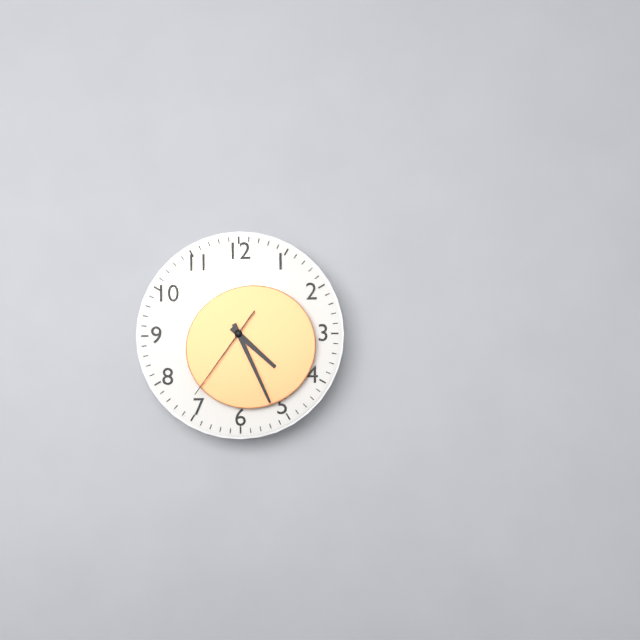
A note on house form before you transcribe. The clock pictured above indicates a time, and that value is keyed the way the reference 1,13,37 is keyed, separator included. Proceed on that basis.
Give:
4,26,36
